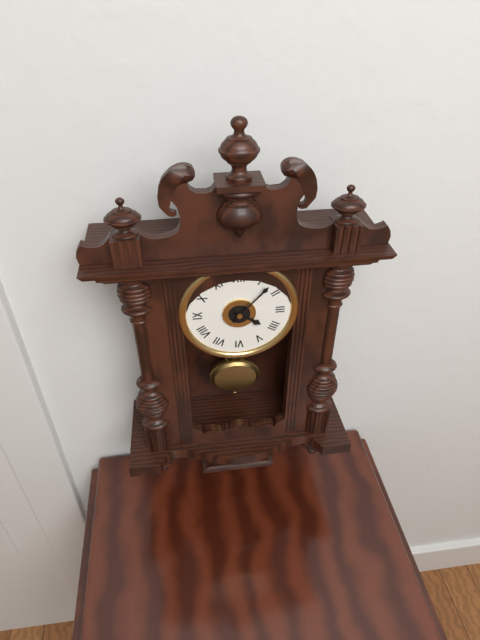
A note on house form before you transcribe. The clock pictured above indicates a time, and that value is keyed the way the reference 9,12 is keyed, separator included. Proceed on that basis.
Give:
4,07
